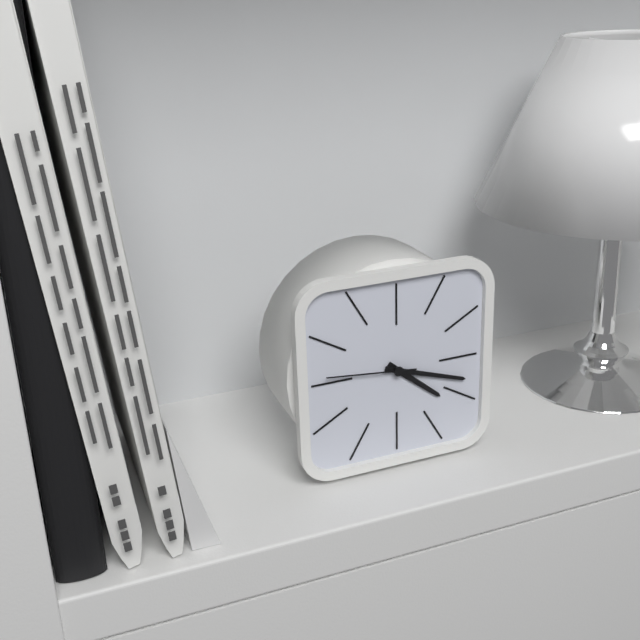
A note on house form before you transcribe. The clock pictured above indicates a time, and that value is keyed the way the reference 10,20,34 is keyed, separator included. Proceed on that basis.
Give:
4,18,46
